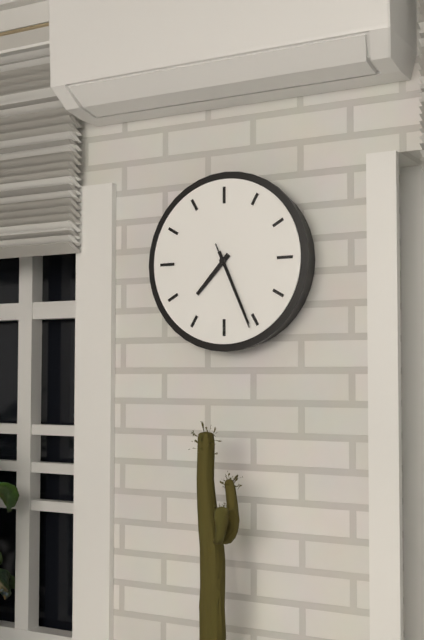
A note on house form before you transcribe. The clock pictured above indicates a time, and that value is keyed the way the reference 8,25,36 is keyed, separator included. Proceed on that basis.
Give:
7,26,26
